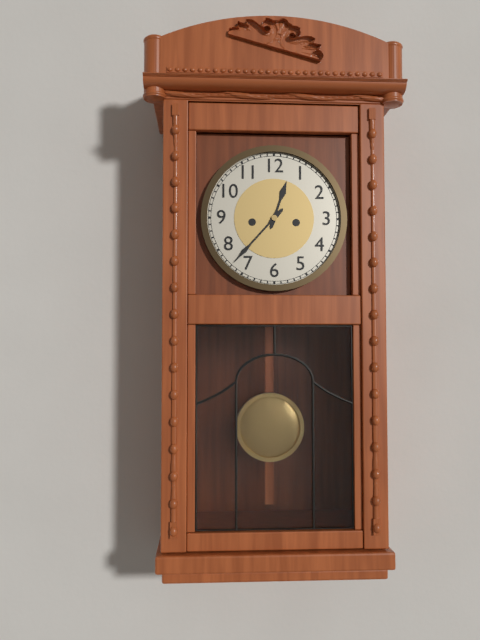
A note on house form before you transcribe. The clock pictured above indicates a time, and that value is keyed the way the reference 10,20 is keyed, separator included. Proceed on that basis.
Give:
12,37
